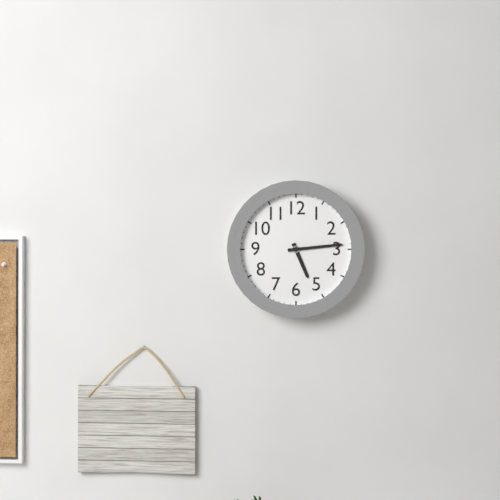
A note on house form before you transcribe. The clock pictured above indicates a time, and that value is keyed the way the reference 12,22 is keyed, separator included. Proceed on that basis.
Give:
5,14
